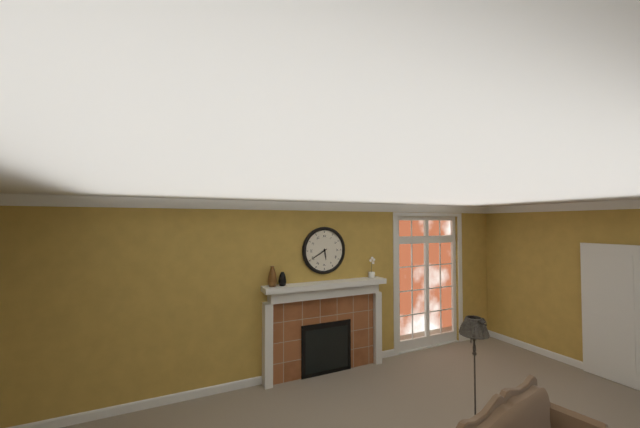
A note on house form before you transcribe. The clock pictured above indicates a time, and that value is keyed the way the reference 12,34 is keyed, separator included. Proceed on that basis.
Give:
5,40
